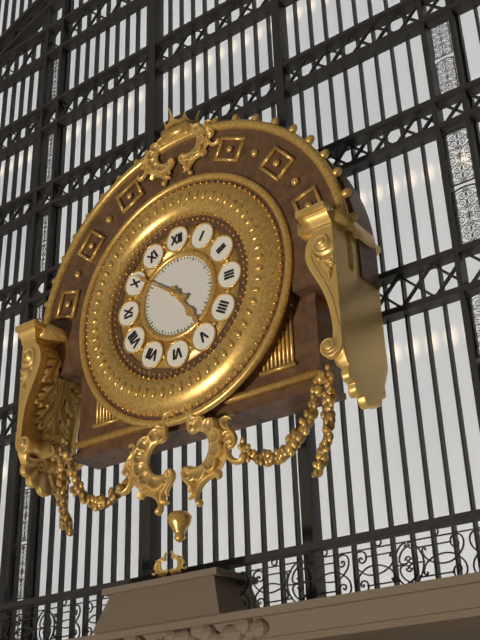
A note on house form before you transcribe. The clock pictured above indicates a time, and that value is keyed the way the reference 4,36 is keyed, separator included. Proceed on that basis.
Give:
4,51
